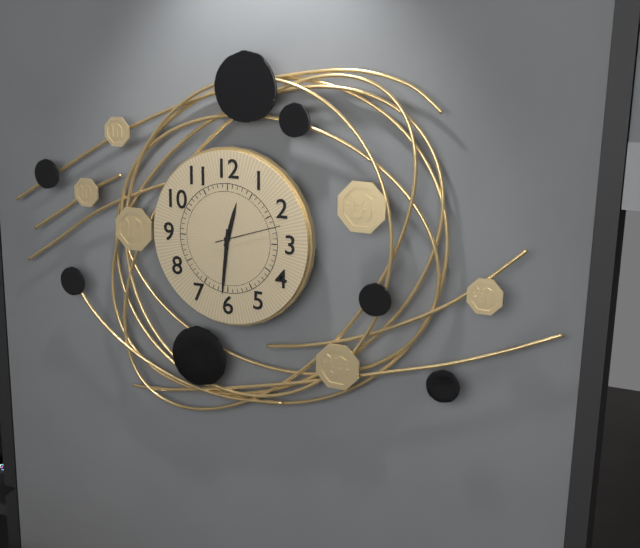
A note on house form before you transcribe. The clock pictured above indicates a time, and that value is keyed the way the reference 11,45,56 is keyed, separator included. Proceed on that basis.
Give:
12,31,12
